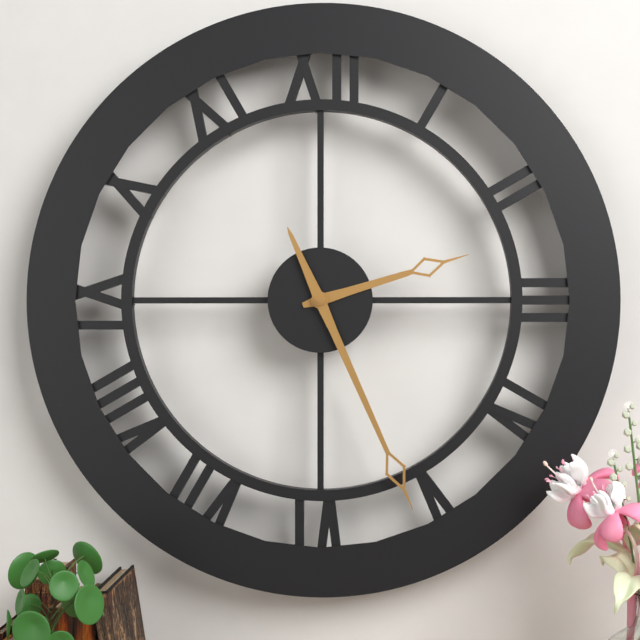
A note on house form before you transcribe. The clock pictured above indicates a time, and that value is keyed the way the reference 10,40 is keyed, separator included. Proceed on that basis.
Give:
2,26
